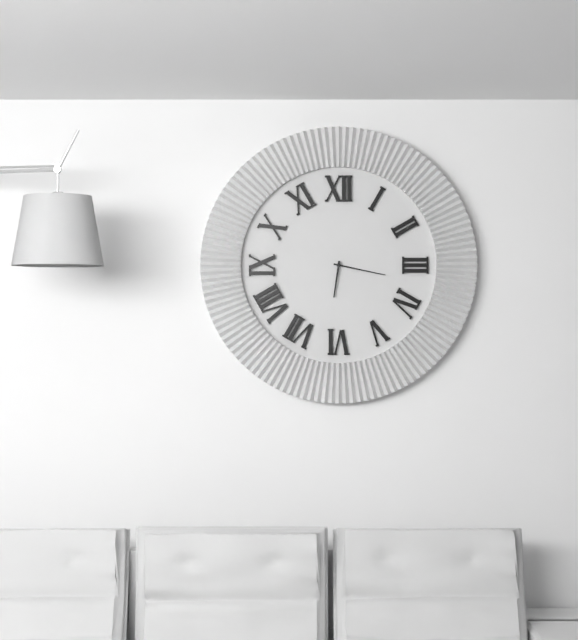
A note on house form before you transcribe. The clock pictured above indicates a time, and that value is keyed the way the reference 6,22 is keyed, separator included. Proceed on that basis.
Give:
6,17
